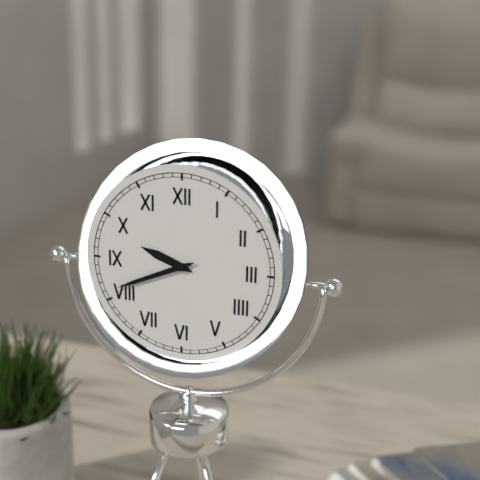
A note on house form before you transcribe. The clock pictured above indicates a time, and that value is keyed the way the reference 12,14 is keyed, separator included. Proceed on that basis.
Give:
9,41
